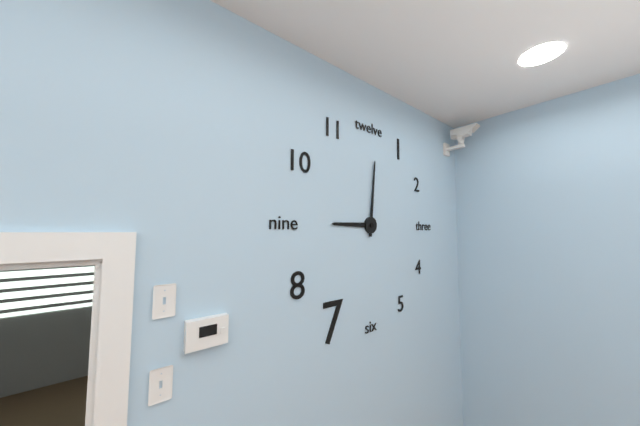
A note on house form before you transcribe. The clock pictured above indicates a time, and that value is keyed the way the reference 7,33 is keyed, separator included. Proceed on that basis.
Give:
9,01
